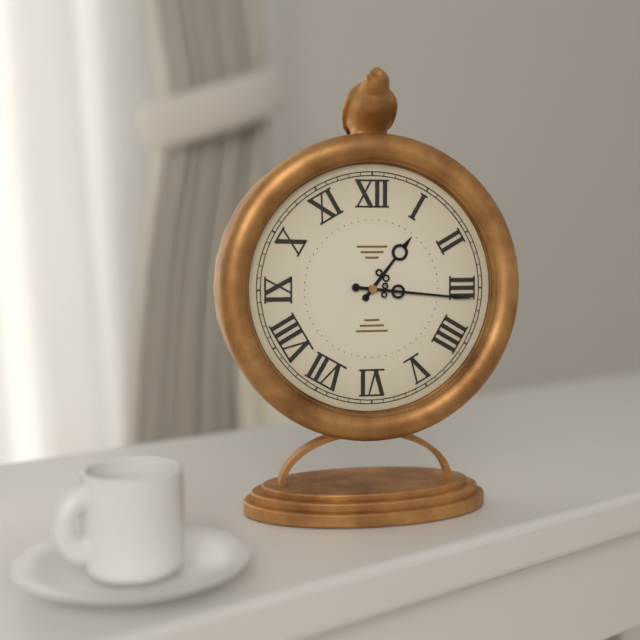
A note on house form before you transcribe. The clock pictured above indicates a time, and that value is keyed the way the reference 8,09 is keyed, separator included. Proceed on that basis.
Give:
1,16
